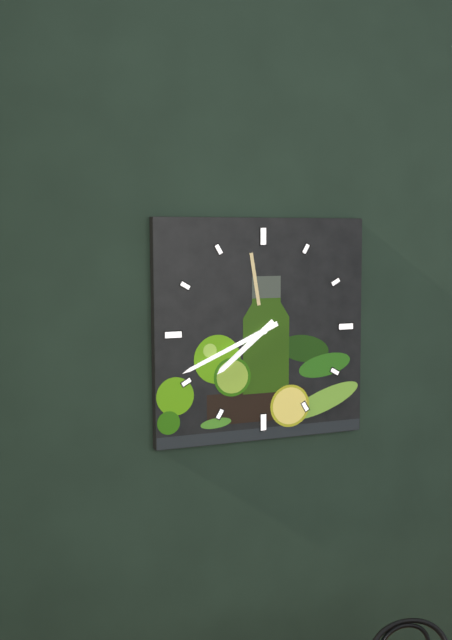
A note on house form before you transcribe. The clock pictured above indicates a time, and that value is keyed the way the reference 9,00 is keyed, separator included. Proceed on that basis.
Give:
7,41
